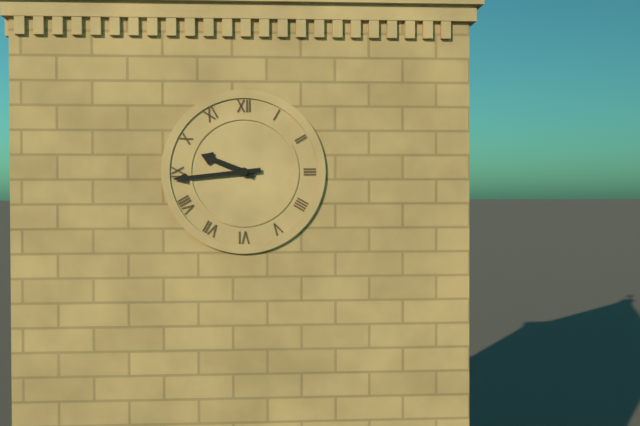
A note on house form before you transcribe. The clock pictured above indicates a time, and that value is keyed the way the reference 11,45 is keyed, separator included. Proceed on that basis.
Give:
9,44
